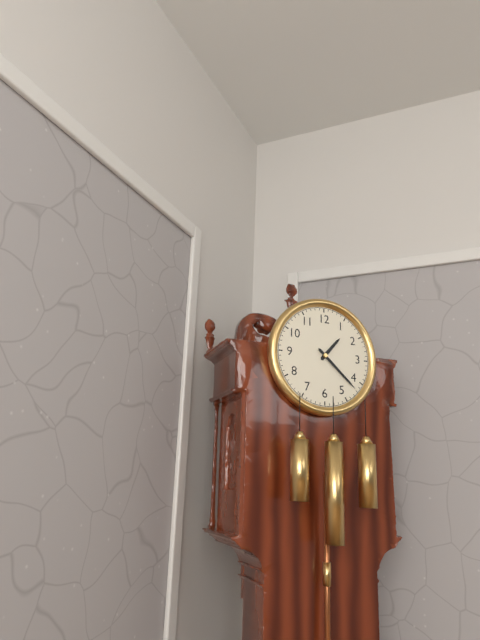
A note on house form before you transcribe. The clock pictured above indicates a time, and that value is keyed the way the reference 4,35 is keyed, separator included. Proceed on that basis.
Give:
1,22
